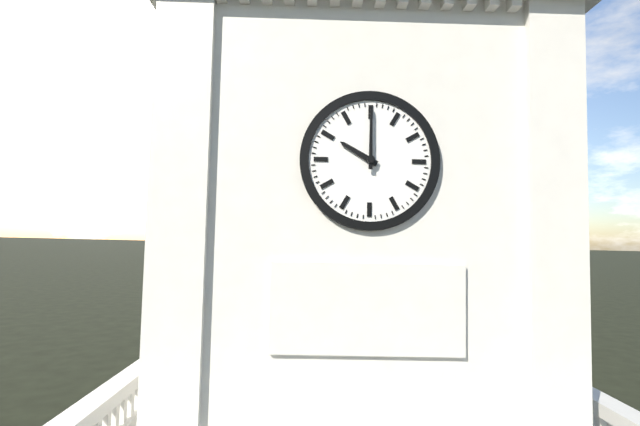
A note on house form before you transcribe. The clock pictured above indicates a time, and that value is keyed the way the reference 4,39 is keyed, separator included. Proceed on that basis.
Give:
10,00
